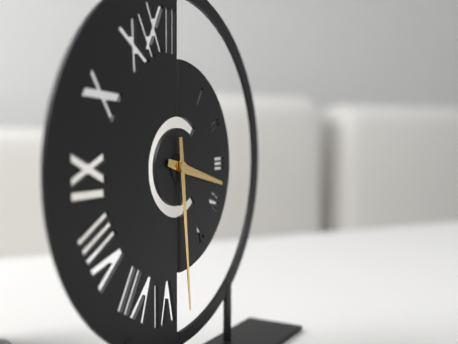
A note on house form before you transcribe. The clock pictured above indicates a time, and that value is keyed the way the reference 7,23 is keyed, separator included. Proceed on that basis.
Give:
3,29
